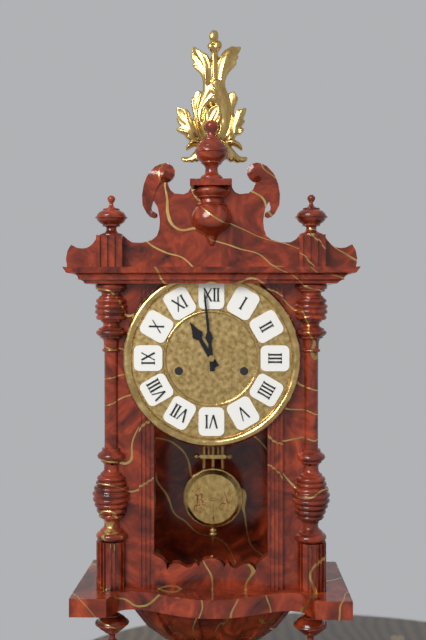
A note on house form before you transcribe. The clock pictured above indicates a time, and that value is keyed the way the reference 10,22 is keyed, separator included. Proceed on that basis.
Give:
10,59
